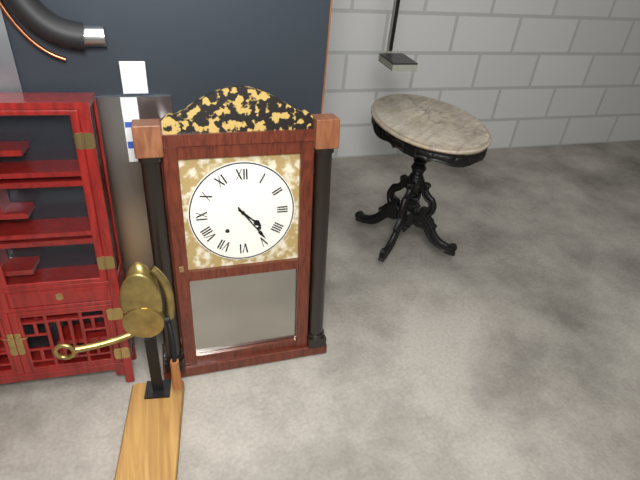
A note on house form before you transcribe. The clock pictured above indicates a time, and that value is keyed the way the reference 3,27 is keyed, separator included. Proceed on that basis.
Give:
4,24
